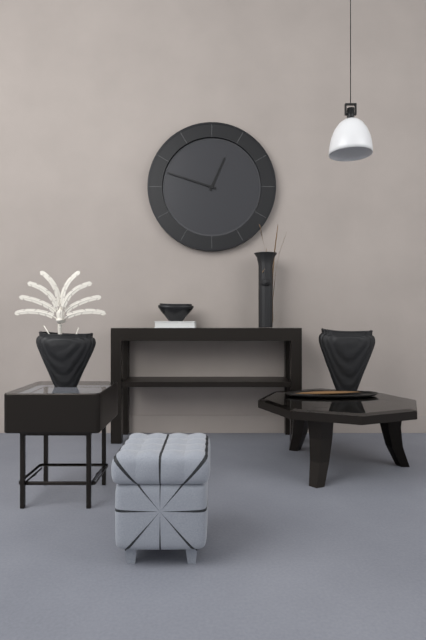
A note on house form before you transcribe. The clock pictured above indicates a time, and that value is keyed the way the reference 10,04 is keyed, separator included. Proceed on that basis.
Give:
12,48
